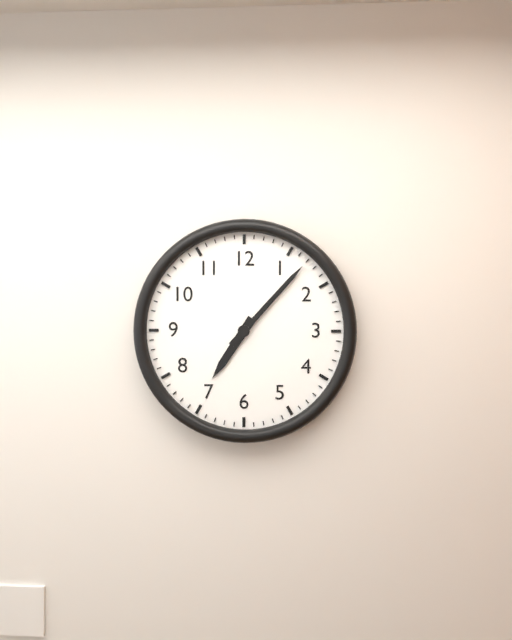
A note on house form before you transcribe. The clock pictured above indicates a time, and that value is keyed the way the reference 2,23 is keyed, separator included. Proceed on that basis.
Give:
7,07
